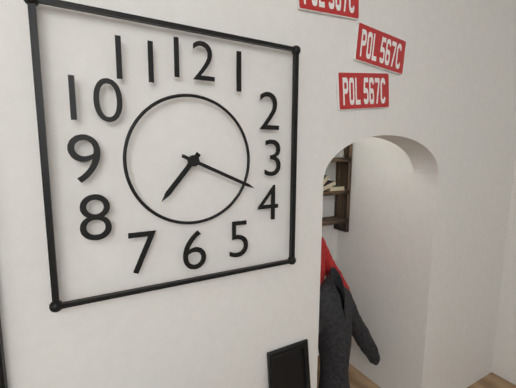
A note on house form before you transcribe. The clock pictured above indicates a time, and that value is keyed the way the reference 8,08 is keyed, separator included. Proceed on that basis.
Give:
7,19
